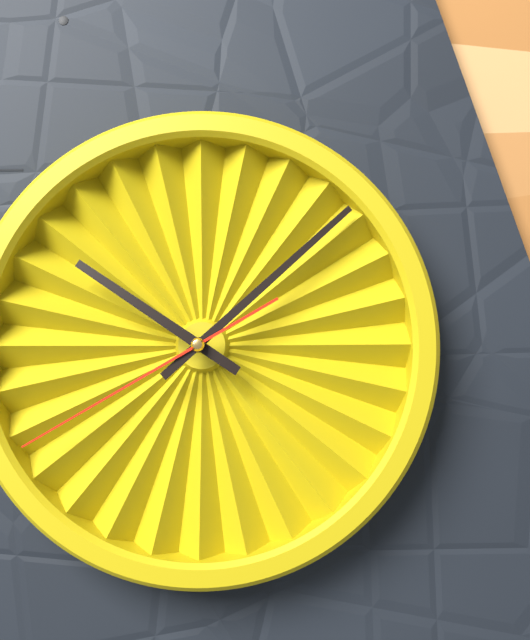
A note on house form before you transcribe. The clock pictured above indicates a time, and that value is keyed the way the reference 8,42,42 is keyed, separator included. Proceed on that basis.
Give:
10,08,40
